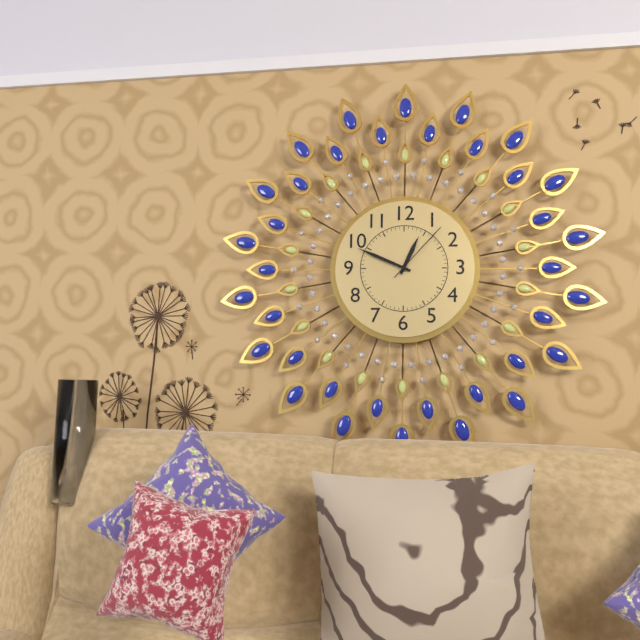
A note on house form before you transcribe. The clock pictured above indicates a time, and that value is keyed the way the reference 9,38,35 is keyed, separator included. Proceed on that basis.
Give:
12,49,07
